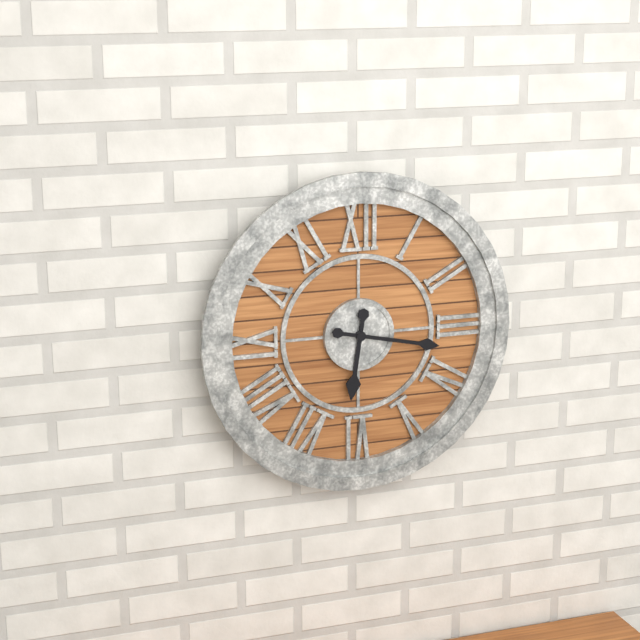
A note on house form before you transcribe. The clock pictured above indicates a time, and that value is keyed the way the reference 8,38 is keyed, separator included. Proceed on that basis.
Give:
6,17
